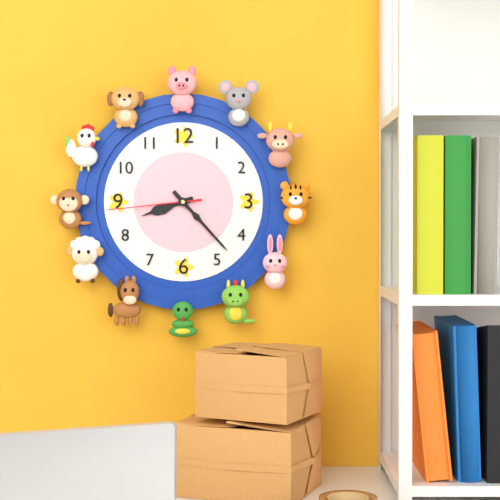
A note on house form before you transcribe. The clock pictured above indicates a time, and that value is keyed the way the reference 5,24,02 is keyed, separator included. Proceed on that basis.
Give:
8,23,44
